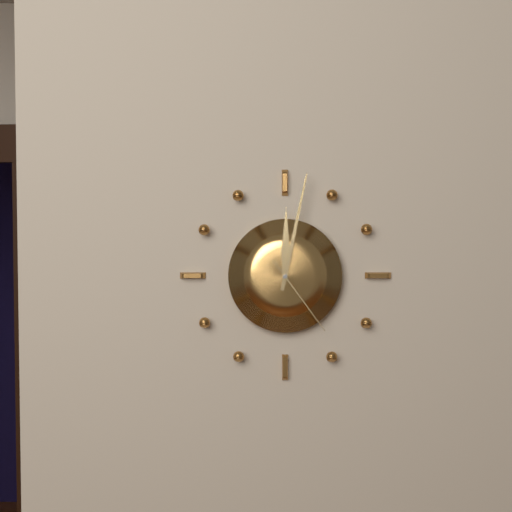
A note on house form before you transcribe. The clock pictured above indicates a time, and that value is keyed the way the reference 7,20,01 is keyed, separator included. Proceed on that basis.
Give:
12,02,24
